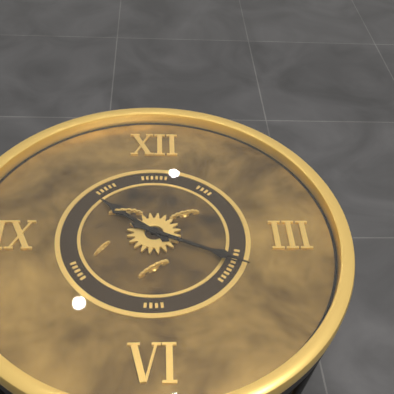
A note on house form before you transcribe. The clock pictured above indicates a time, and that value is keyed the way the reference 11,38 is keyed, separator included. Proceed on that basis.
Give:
10,19
